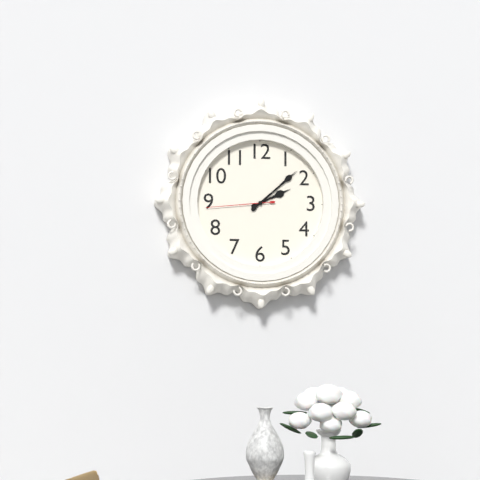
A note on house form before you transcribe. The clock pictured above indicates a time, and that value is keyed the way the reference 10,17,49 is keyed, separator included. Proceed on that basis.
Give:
2,08,44
